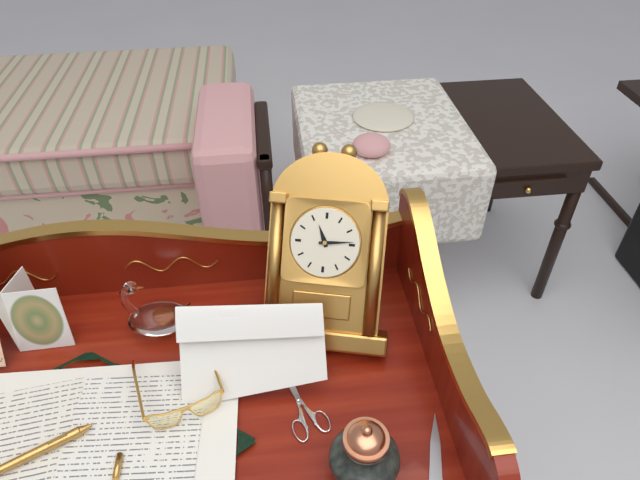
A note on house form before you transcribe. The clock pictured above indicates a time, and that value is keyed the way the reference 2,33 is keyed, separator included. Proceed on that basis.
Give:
11,14
